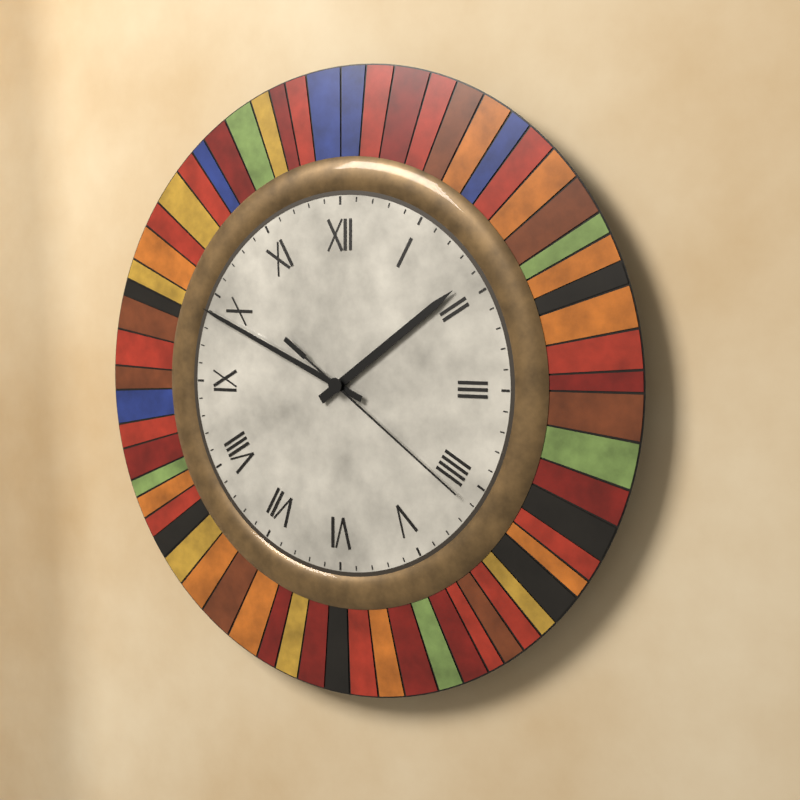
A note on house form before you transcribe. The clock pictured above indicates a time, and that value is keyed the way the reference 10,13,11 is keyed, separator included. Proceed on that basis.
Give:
1,49,21
